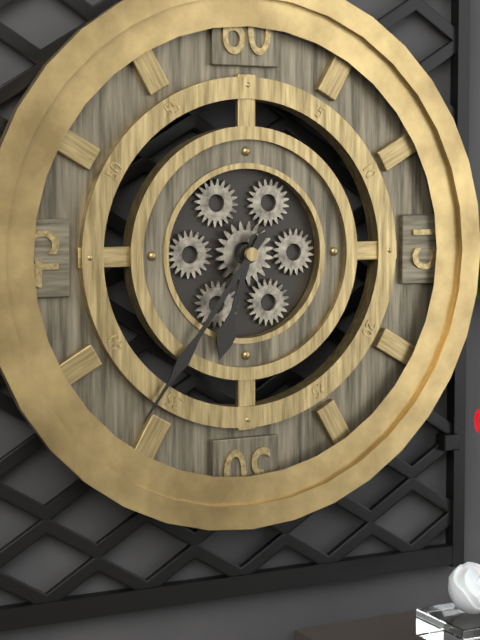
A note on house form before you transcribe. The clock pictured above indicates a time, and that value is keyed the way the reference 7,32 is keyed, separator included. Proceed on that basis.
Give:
6,36
